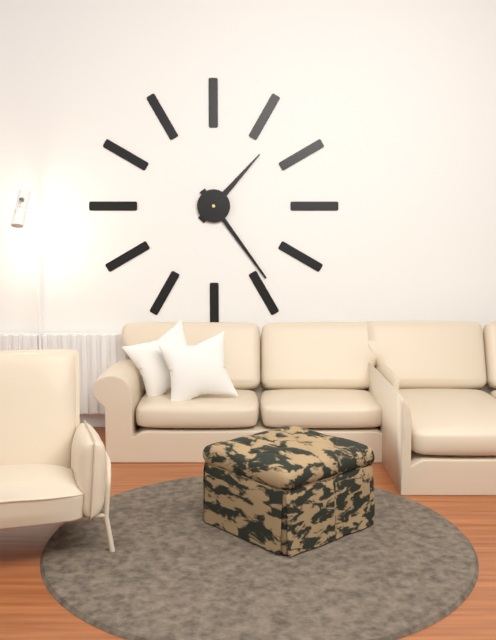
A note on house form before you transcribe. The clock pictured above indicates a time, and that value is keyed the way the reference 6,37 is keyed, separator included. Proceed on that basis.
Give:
1,24
